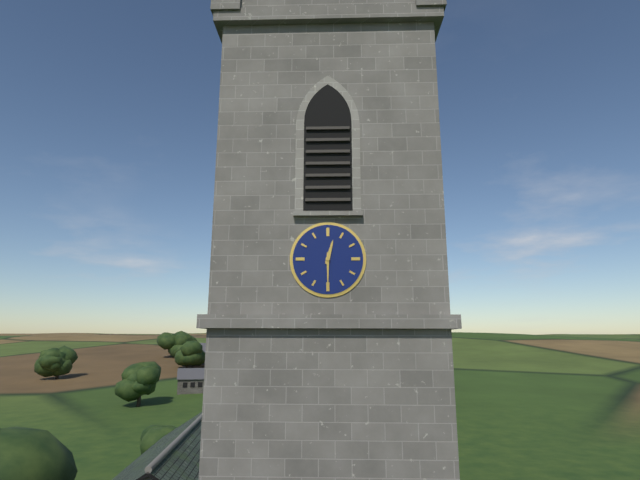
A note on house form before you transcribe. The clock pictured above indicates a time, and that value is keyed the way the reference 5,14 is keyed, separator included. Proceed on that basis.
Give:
12,30
